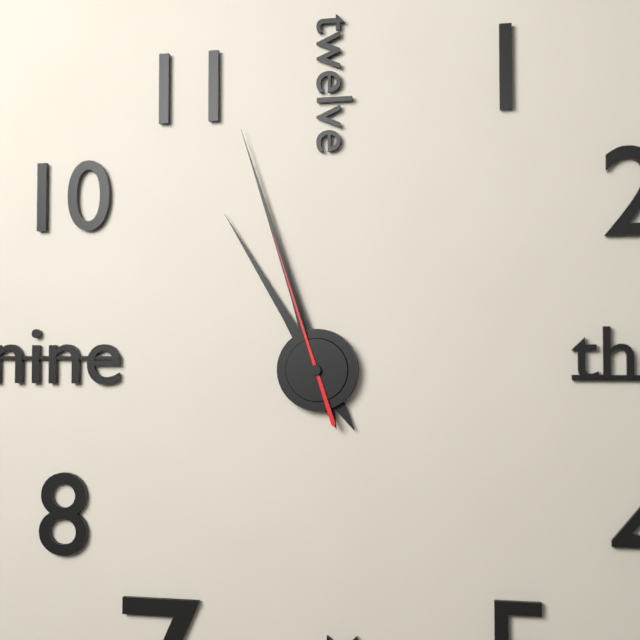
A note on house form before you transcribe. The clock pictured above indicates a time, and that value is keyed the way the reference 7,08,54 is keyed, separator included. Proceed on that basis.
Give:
10,57,57
